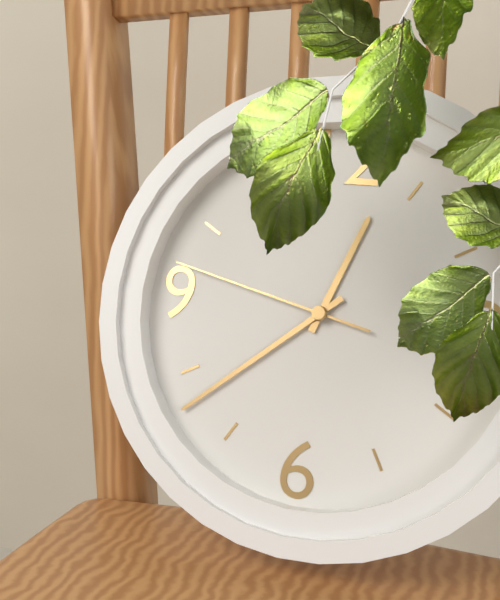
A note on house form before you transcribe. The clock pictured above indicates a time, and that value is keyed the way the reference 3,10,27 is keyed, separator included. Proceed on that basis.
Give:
12,38,47
